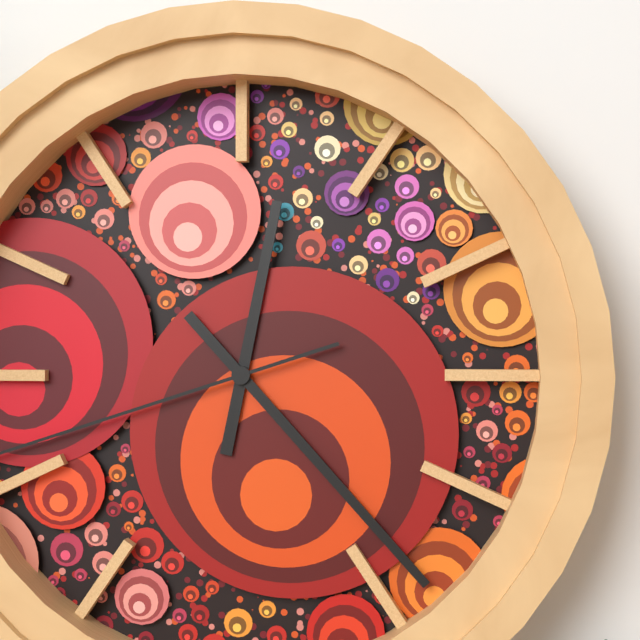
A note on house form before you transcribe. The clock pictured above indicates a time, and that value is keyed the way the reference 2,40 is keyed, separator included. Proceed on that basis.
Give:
12,23
